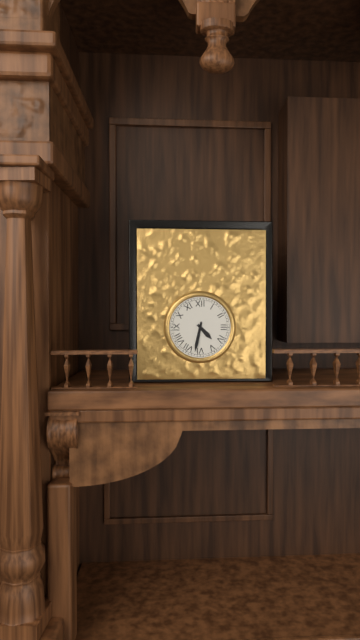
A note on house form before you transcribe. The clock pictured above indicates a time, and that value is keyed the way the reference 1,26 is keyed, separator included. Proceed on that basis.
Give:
4,32
